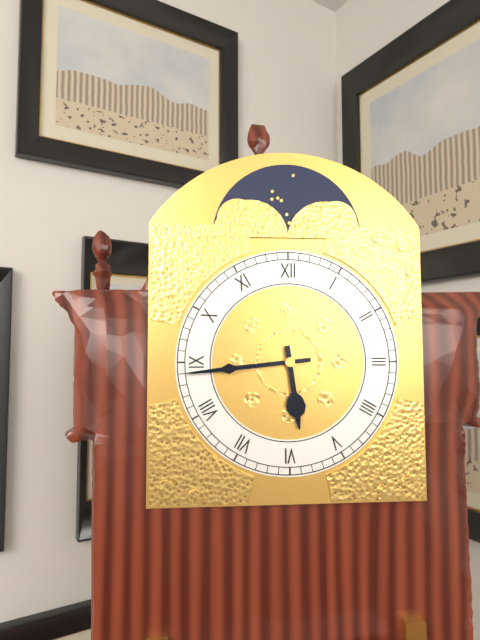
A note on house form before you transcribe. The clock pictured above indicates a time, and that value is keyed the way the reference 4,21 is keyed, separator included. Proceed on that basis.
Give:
5,44
